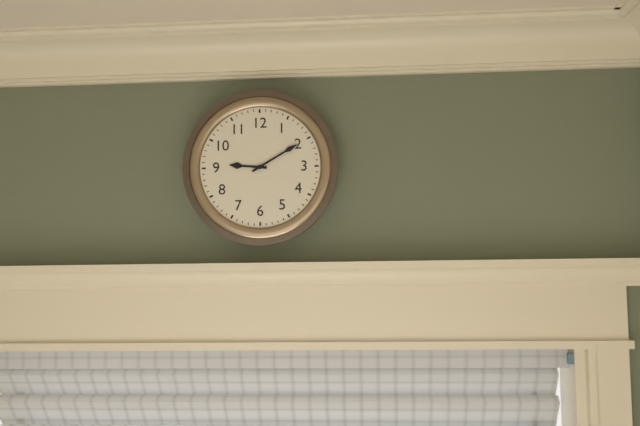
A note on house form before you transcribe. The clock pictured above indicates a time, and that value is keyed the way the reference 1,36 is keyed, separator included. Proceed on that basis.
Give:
9,10
